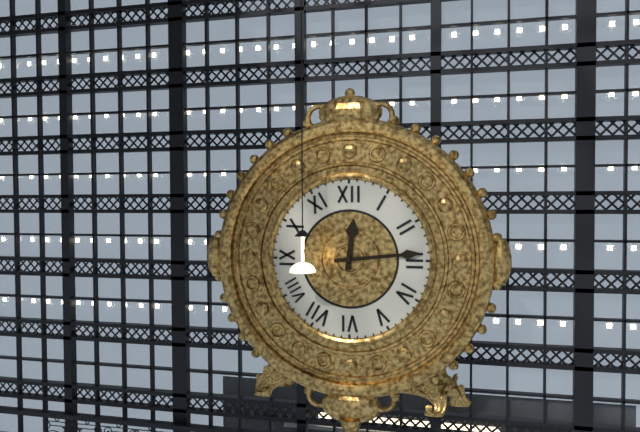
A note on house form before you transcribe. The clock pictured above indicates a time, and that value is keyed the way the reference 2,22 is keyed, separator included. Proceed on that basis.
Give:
12,14
